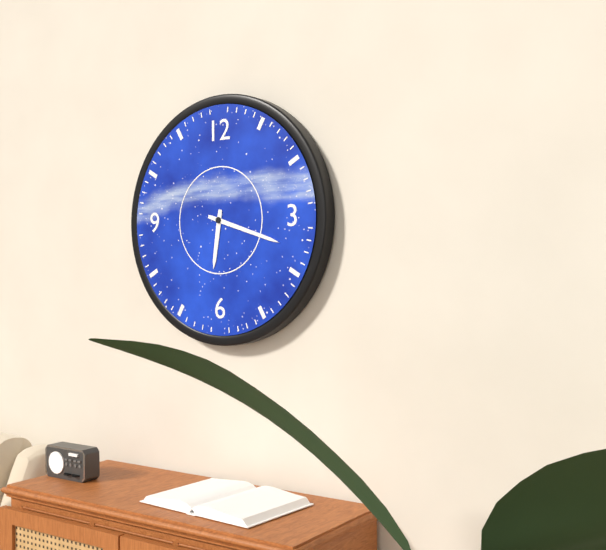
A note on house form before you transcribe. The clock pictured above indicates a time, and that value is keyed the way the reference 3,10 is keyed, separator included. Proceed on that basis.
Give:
6,18
